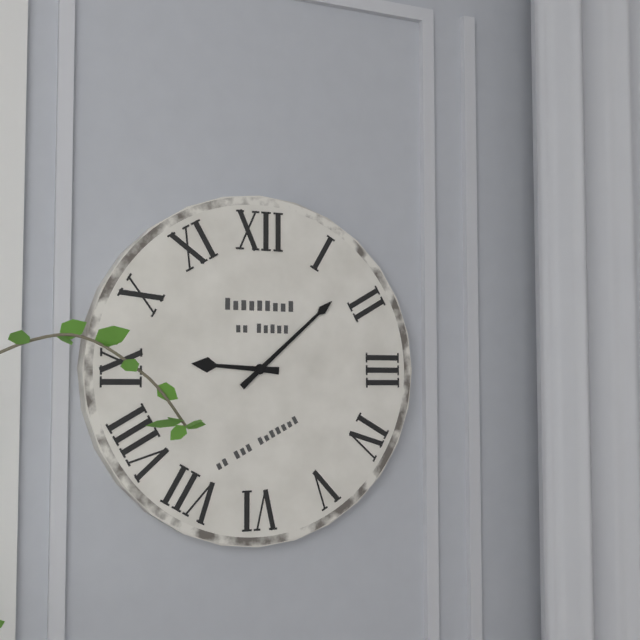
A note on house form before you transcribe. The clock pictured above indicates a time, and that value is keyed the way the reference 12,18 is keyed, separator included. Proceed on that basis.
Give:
9,08
